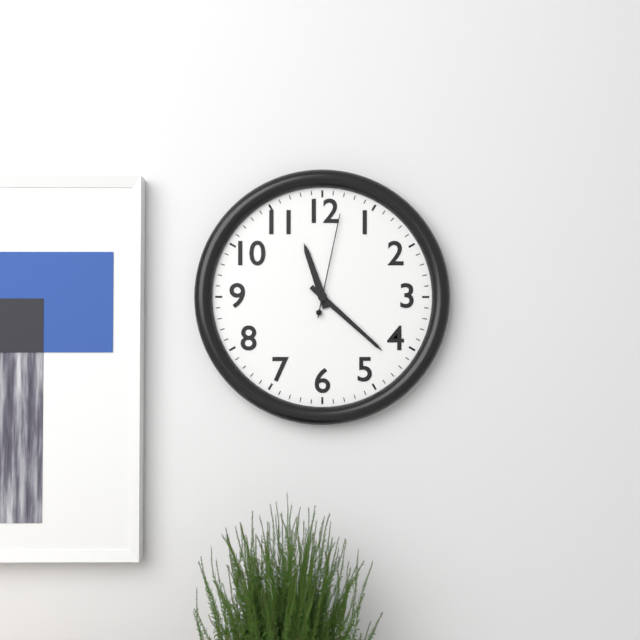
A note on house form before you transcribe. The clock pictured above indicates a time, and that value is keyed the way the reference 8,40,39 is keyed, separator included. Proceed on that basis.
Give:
11,22,02
